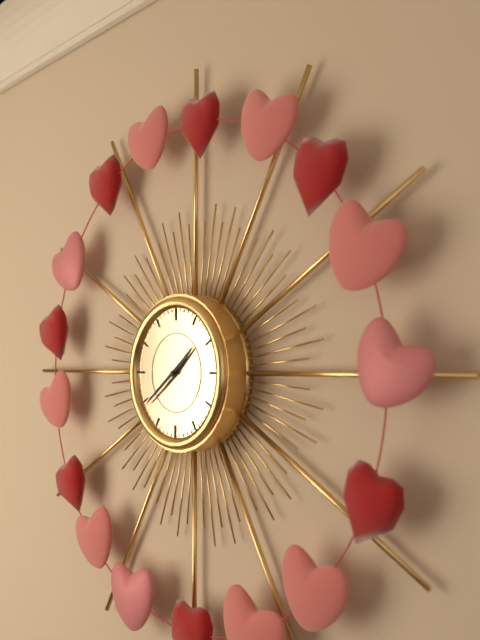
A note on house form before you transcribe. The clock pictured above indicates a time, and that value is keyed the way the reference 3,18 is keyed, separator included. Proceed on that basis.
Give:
1,39
